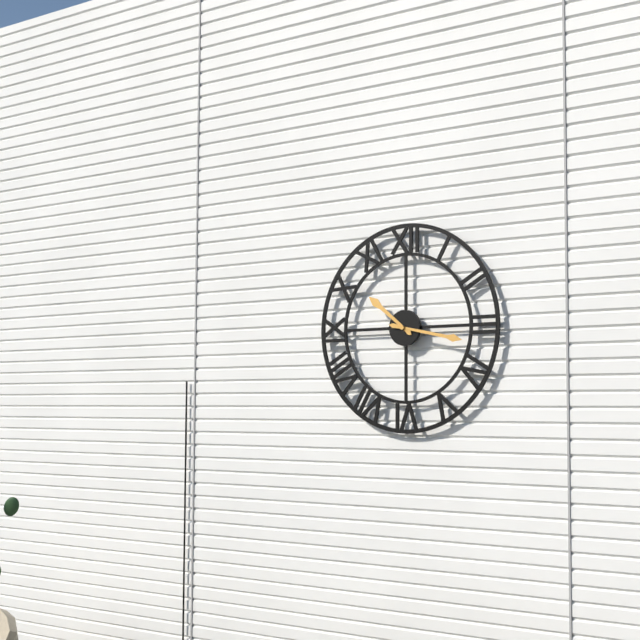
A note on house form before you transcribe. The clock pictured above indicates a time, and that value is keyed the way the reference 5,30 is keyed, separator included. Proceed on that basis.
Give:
10,17
